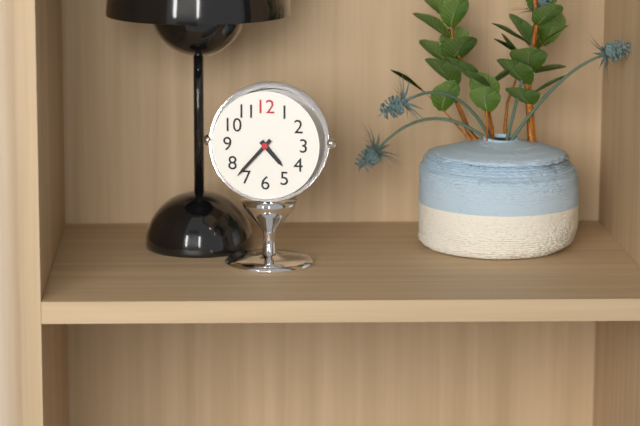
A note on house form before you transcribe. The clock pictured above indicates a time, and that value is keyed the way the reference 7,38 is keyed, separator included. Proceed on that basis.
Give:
4,37
